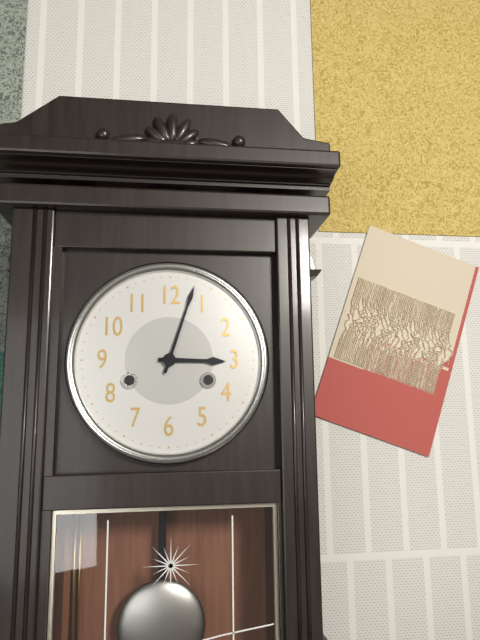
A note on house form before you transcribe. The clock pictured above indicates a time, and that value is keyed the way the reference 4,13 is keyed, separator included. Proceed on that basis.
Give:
3,03
